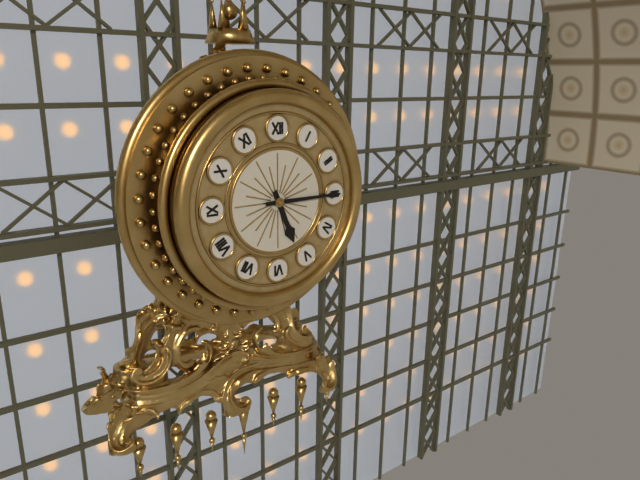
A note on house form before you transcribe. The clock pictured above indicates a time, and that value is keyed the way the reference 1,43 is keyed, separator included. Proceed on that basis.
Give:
5,15
